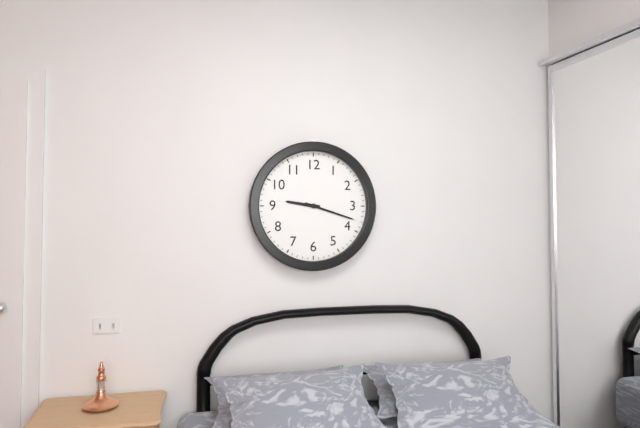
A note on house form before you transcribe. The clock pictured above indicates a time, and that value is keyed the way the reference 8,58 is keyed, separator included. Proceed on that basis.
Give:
9,18
